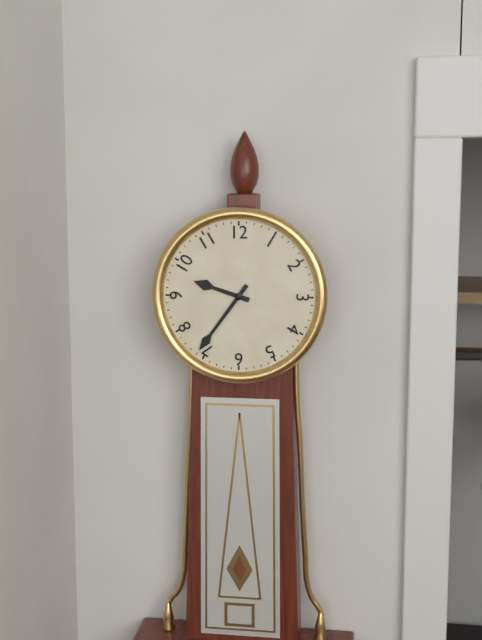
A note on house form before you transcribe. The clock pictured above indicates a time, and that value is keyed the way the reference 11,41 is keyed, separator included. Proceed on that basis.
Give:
9,36
